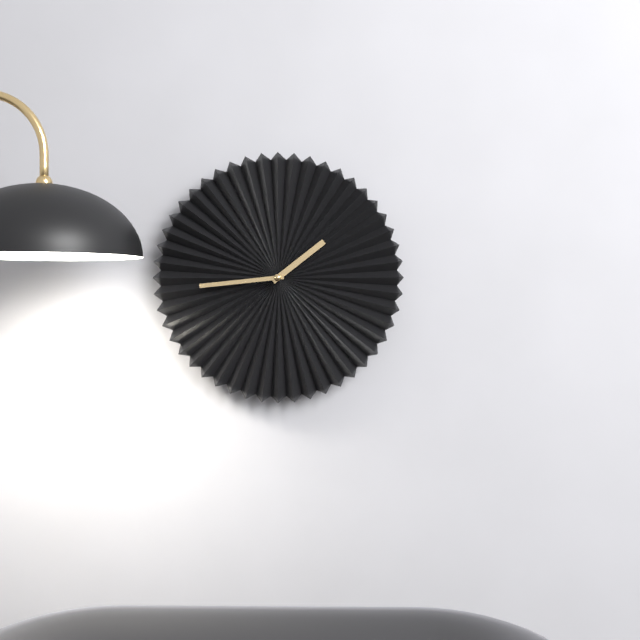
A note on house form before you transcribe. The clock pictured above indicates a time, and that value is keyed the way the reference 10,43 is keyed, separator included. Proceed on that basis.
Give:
1,44
